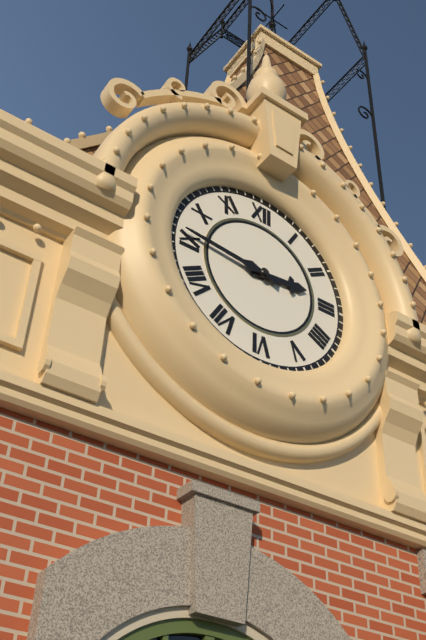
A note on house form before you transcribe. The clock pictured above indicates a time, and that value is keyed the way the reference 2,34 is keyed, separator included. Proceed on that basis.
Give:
2,46
